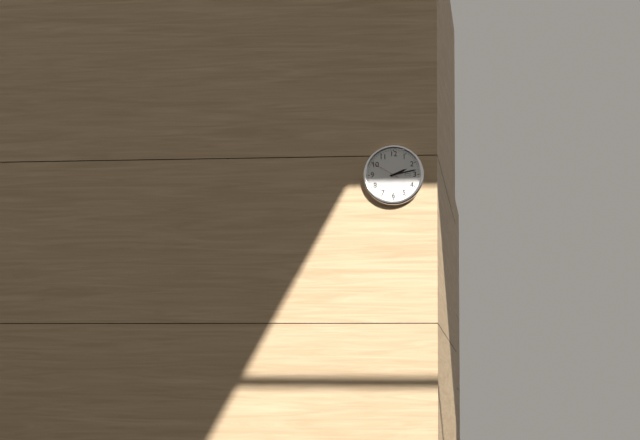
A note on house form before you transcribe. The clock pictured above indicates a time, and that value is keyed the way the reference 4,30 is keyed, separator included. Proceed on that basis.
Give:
2,13
